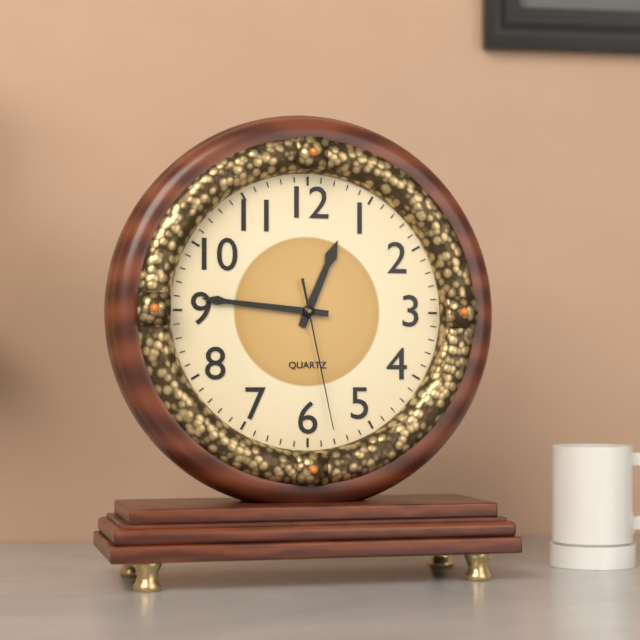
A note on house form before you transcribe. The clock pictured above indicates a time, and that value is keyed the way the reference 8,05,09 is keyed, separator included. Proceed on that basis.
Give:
12,46,28
